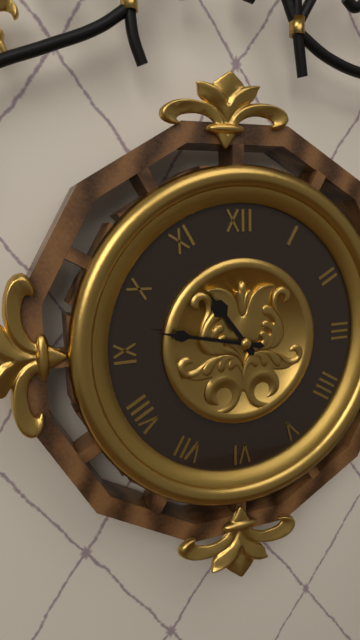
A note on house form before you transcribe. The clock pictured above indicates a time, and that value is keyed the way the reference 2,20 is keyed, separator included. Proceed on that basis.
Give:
10,47
